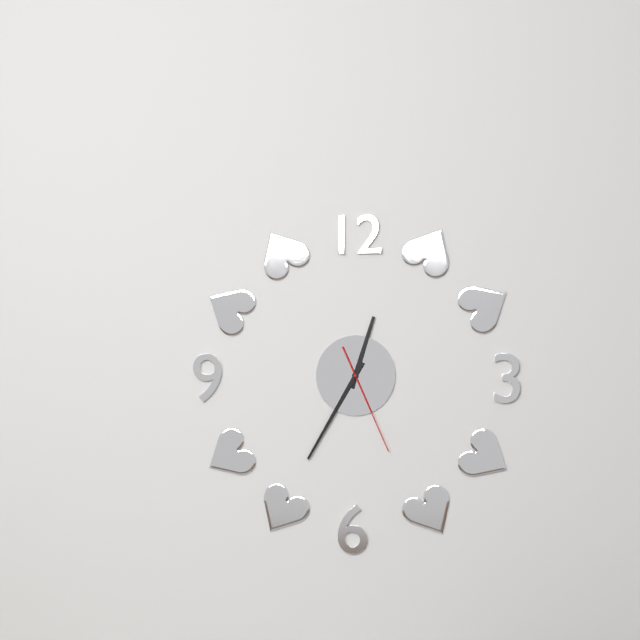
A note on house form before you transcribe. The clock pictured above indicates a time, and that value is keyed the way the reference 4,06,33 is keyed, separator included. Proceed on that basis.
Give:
12,35,26
